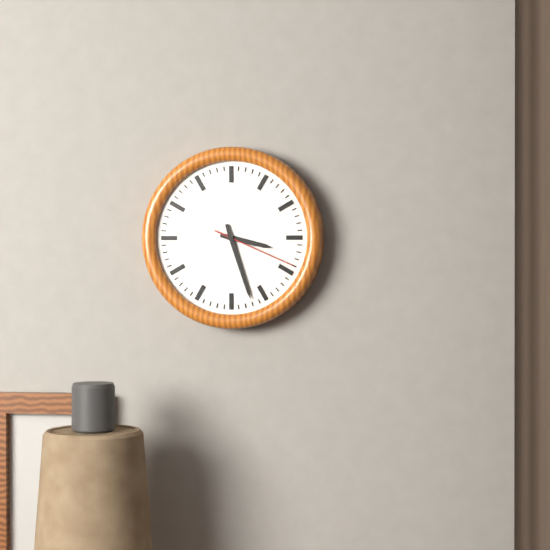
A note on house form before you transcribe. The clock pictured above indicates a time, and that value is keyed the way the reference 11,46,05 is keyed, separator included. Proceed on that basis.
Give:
3,27,19
